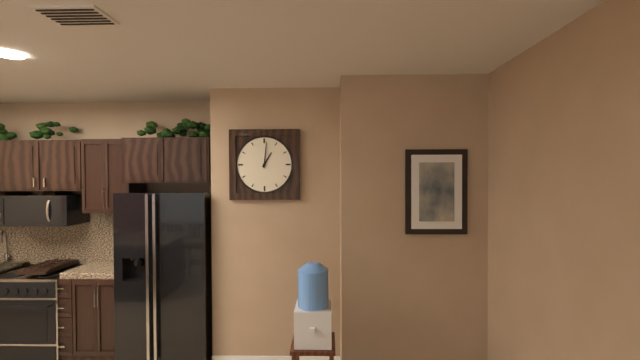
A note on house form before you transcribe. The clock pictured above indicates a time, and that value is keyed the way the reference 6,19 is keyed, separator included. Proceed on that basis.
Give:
1,01
